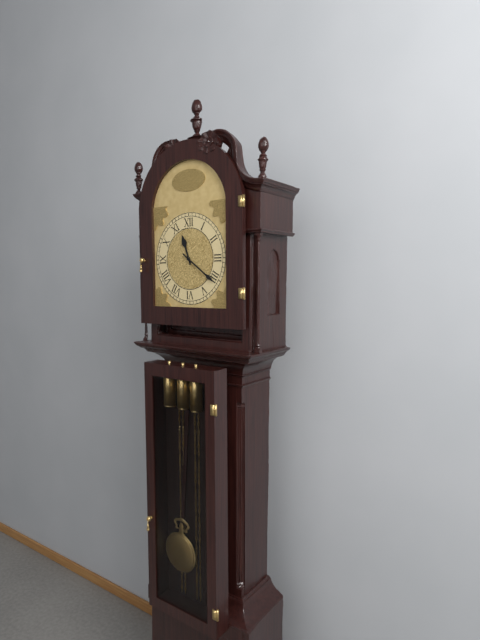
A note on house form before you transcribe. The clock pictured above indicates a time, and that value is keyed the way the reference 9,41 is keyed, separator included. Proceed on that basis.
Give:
11,21
